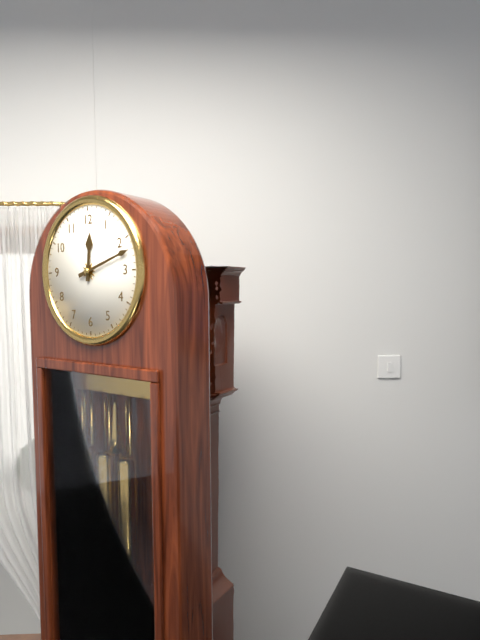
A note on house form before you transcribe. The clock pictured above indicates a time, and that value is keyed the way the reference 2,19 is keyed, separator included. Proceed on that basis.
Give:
12,12
